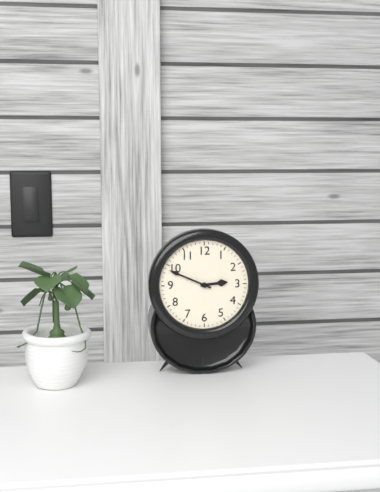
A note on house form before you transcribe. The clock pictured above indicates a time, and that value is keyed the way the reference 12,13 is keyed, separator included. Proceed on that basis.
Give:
2,49
